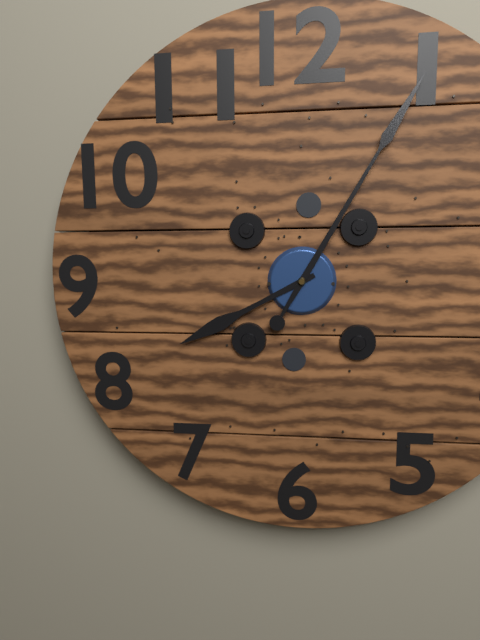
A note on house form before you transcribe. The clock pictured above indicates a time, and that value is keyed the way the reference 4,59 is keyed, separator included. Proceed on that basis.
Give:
8,05
